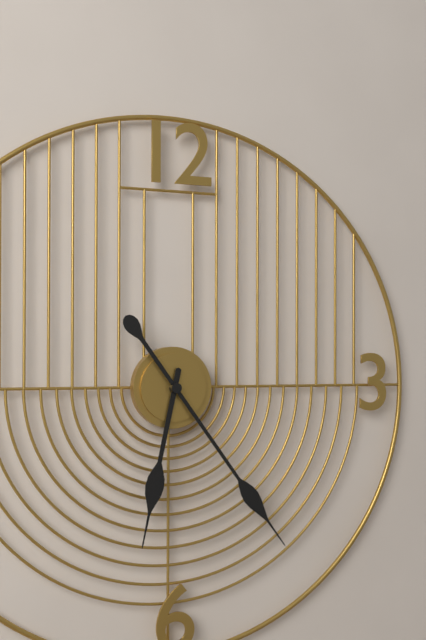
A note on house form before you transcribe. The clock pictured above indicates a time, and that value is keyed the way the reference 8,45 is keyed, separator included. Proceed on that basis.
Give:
6,24
